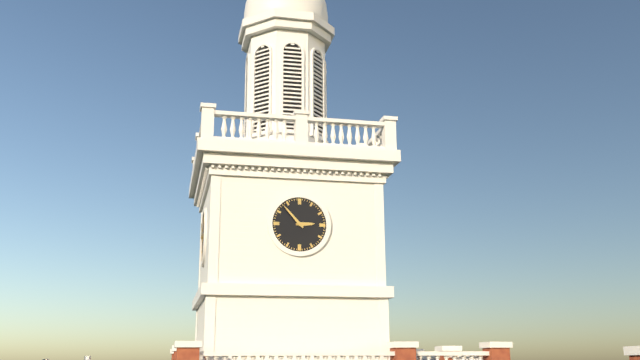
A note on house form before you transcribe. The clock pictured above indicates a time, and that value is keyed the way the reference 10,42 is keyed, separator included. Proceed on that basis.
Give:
2,53
